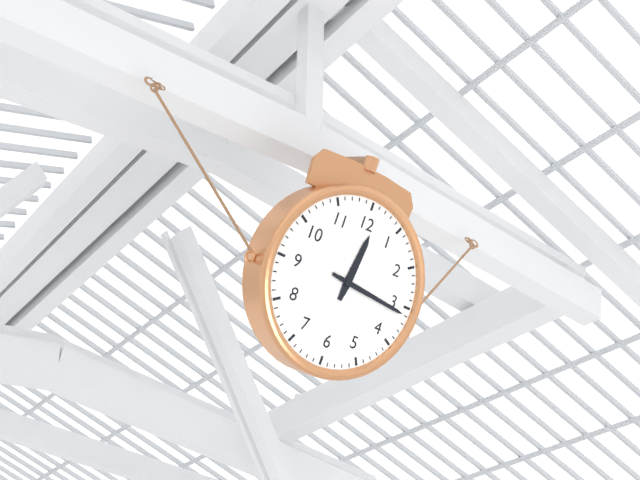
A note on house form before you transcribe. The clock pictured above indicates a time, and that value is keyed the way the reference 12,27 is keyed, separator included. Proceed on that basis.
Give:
12,16
